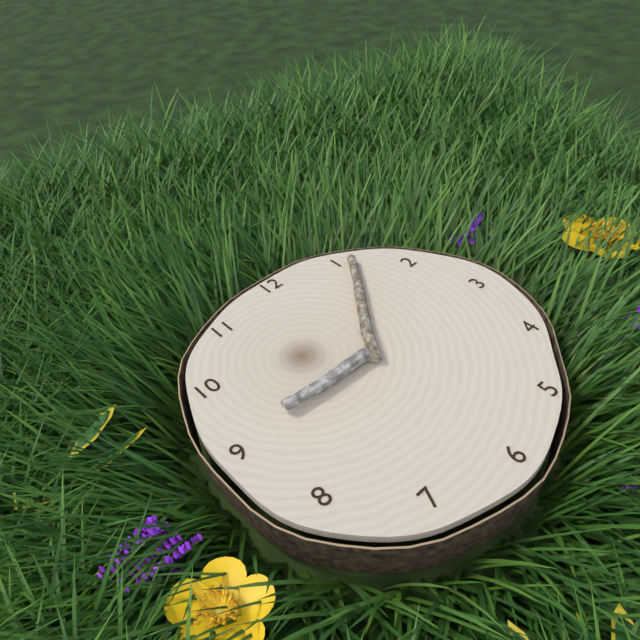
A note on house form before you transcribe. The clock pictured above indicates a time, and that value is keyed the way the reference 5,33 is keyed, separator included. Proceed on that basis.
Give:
9,06
